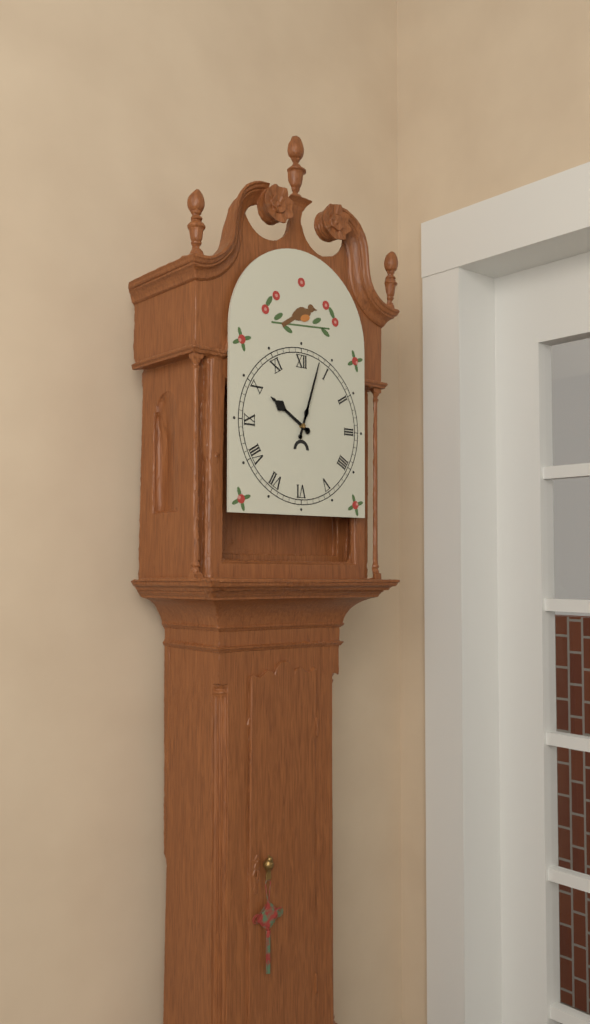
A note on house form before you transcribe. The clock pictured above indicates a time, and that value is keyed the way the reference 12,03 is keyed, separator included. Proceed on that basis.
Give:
10,03
